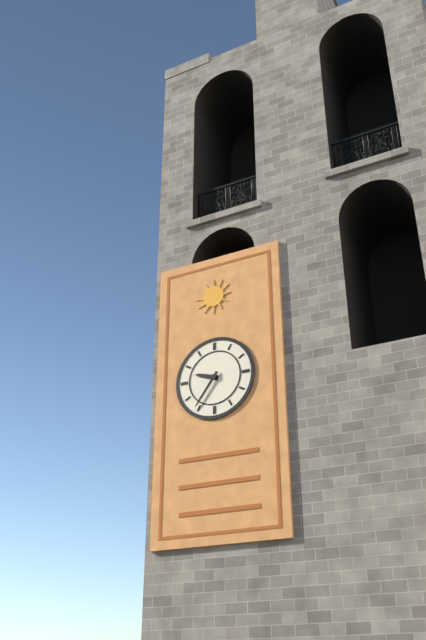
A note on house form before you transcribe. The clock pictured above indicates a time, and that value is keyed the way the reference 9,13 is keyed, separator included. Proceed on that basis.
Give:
9,36
